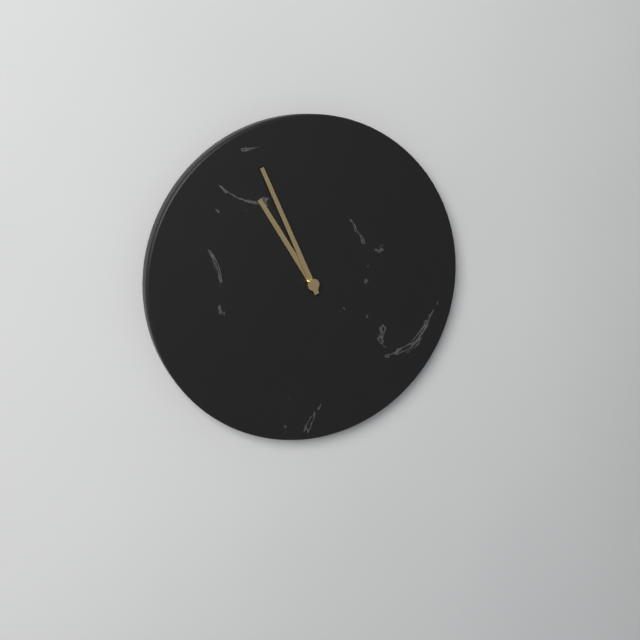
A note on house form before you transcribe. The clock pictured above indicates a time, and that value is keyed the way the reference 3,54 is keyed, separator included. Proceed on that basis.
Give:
10,56
